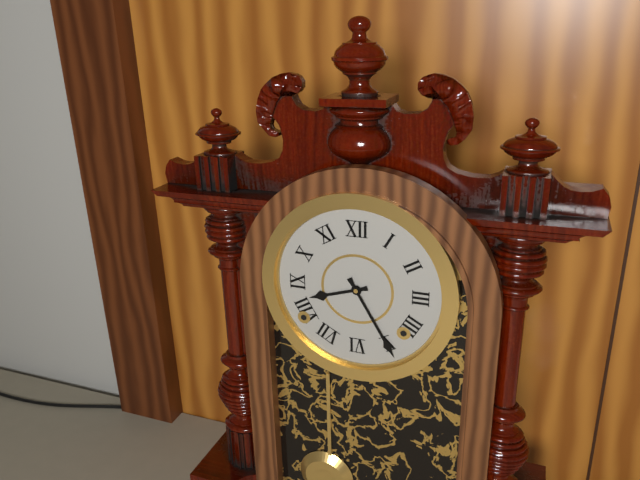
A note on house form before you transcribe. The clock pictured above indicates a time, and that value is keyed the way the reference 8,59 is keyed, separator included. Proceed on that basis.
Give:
8,25
